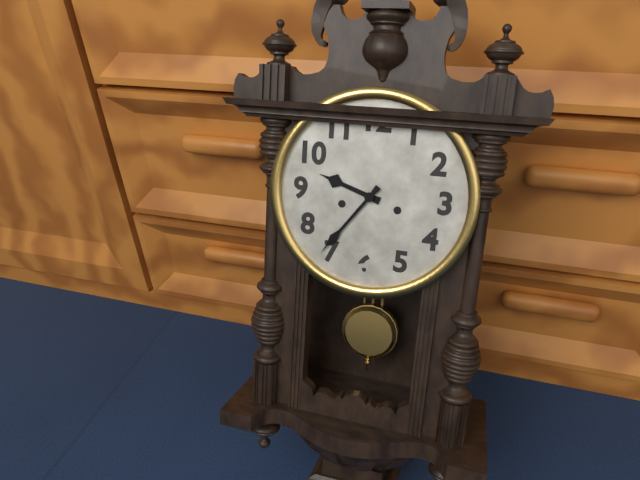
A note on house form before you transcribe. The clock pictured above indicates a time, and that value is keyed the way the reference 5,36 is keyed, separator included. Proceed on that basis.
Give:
9,36
